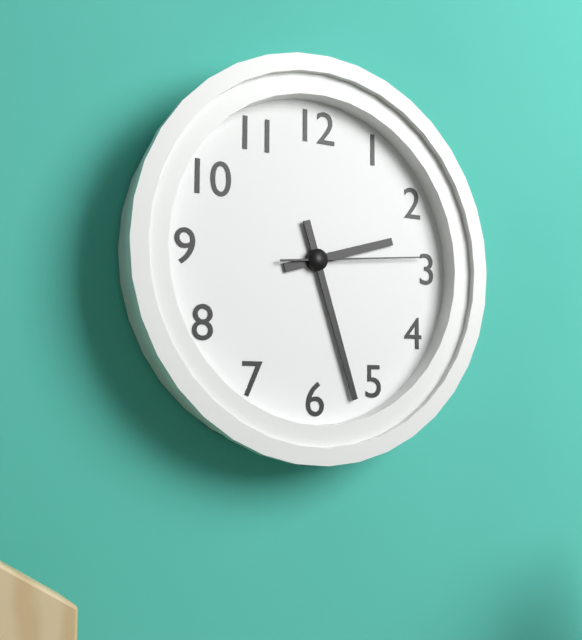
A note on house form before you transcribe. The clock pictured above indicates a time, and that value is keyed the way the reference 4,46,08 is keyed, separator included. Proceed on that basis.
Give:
2,27,14
